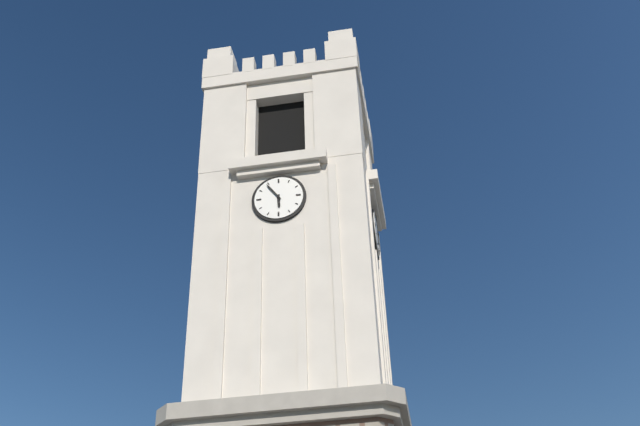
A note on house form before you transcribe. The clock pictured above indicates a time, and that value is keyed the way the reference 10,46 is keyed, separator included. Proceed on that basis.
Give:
5,54
